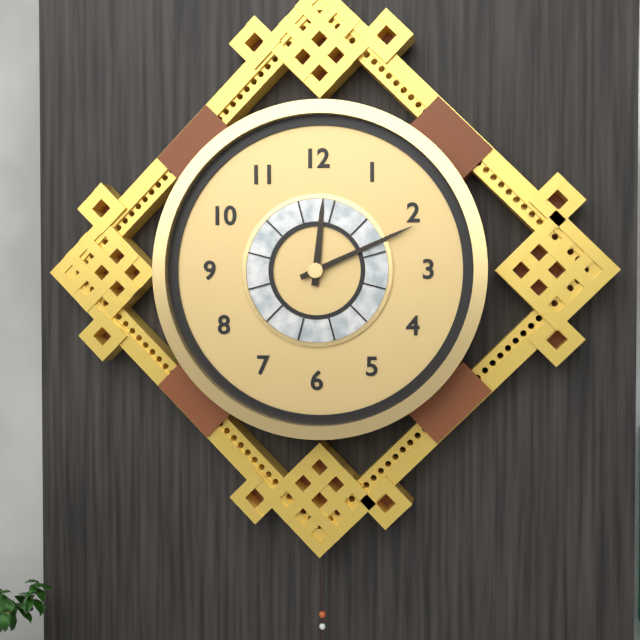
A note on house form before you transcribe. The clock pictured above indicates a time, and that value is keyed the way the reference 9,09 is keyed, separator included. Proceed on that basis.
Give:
12,11
